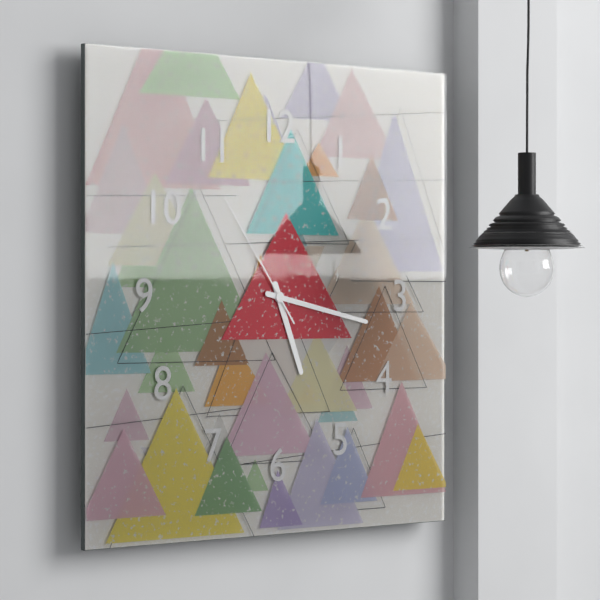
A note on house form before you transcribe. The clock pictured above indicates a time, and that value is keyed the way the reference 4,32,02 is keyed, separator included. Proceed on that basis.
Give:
5,17,54
